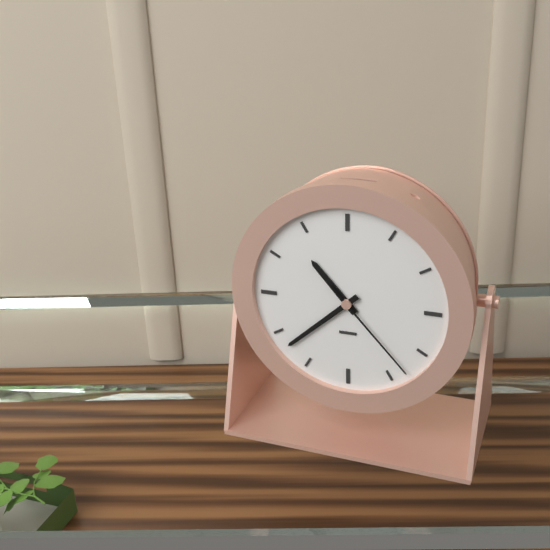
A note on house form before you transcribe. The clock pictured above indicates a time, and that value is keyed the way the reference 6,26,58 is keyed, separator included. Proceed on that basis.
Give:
10,38,23
